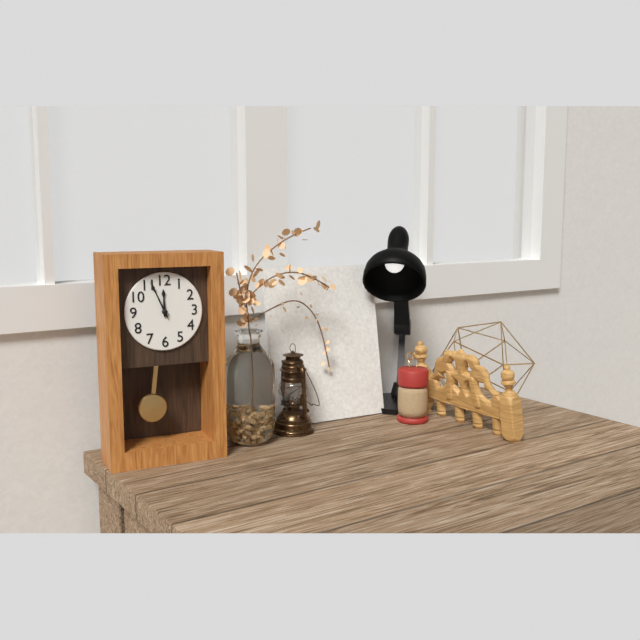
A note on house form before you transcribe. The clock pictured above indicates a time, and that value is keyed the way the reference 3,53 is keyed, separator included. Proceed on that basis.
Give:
11,56
